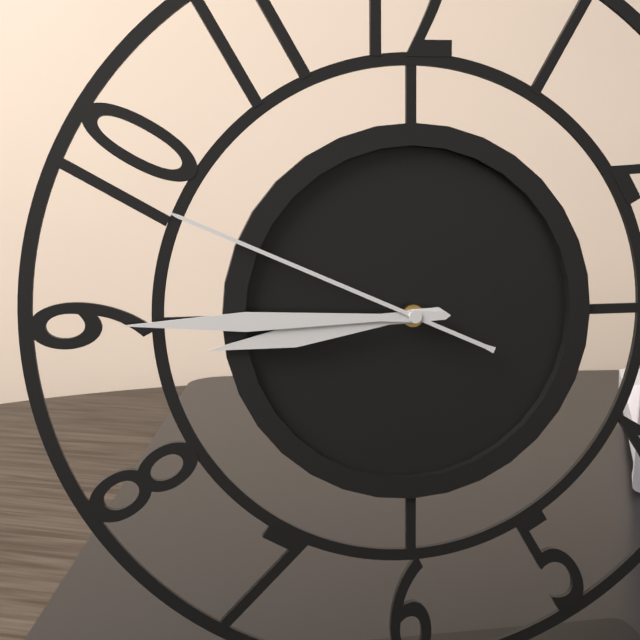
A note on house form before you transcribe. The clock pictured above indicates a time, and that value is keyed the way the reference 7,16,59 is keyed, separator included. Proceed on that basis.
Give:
8,45,49
